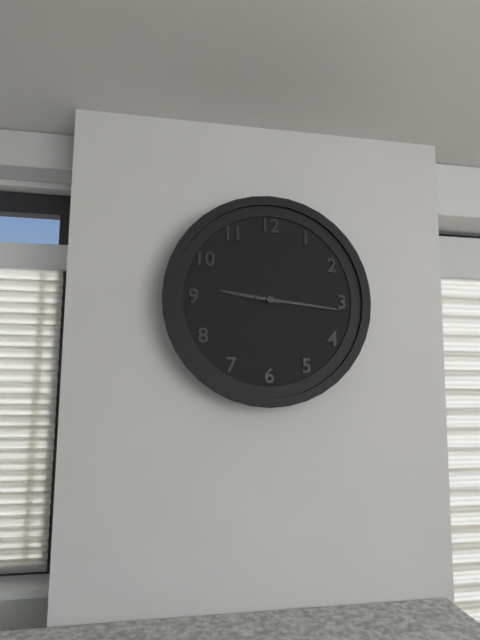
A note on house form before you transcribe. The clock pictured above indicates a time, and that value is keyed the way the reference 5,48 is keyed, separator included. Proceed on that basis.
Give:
9,16
